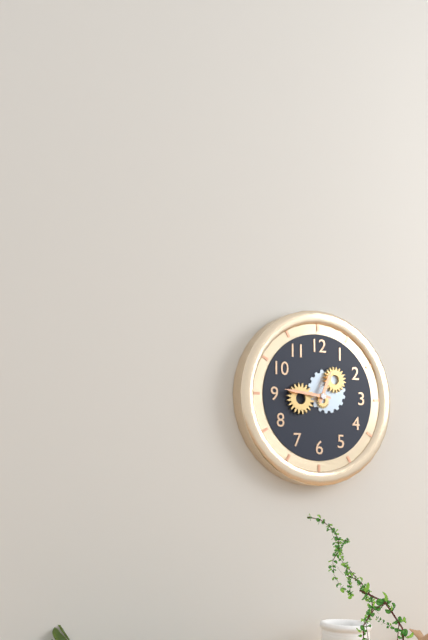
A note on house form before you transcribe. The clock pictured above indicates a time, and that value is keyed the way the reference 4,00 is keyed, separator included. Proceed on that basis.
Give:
12,46
